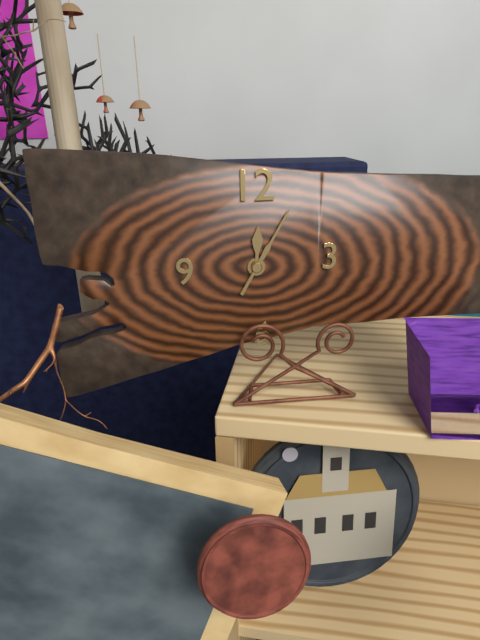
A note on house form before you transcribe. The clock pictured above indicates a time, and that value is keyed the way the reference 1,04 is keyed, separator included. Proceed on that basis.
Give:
12,05
